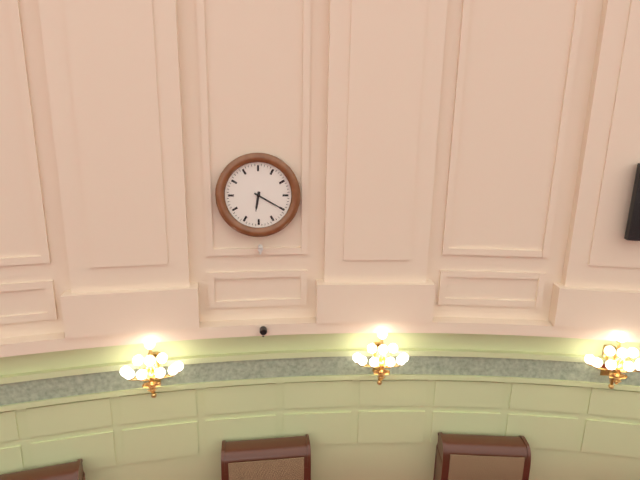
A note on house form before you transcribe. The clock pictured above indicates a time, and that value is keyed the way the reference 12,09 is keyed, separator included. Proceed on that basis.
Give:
6,20
